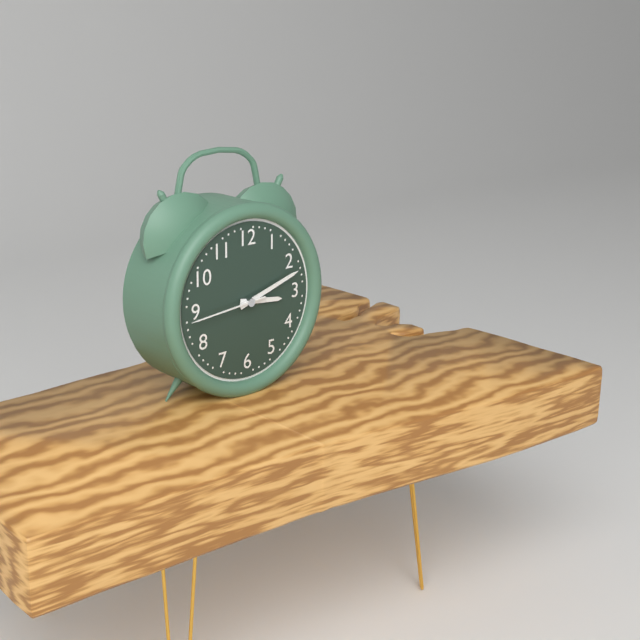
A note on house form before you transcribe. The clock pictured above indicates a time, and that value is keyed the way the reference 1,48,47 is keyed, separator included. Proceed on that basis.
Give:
3,12,44
